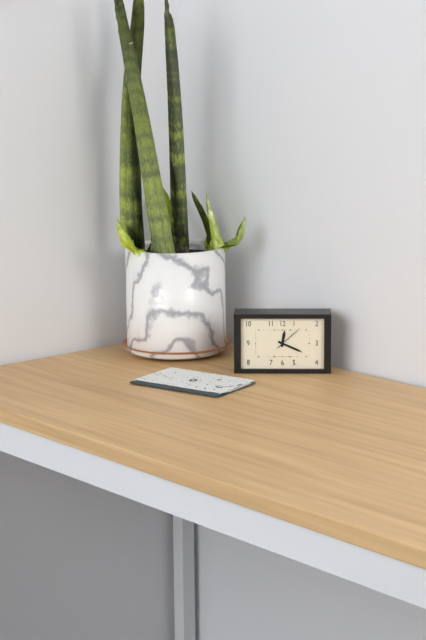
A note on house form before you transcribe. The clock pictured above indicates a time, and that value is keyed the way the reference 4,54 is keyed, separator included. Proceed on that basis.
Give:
12,19
